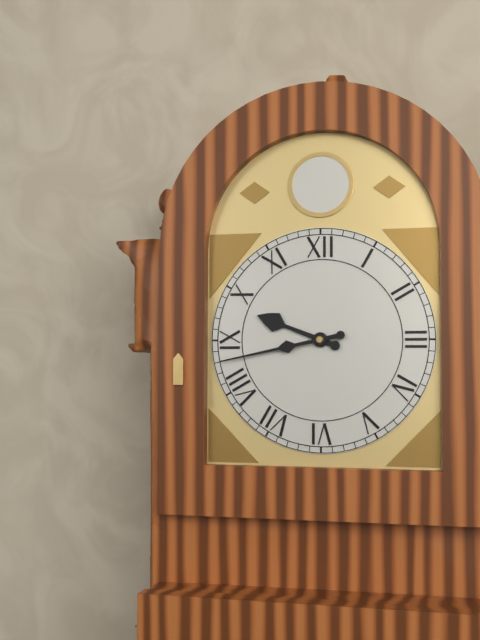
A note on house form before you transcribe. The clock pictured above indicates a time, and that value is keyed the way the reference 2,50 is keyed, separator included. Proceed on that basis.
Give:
9,43
